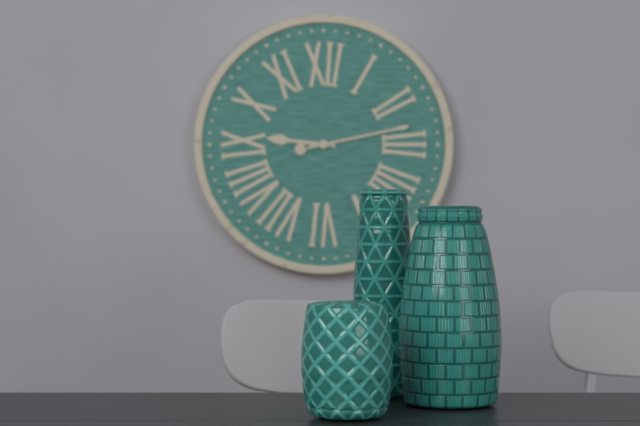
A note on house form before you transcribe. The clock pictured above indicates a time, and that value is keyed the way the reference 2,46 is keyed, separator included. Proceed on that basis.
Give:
9,13
